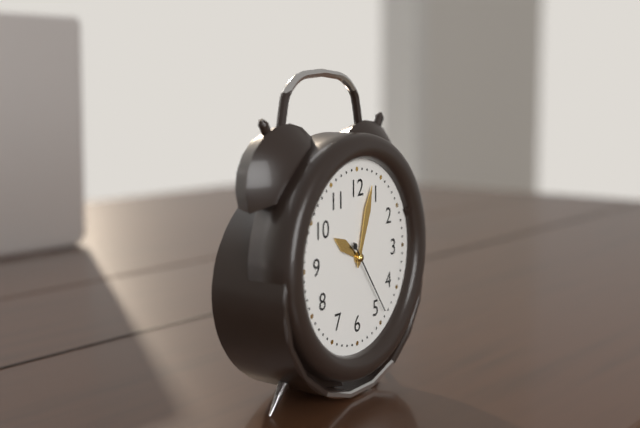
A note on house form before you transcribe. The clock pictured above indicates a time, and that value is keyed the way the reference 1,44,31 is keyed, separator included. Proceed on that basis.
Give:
10,03,24
